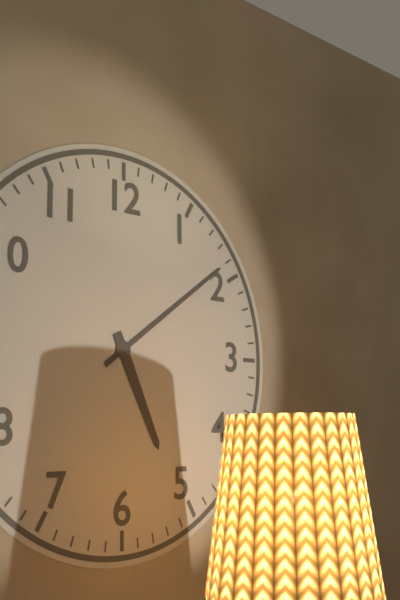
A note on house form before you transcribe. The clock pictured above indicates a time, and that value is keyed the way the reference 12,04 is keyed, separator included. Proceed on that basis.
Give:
5,09
